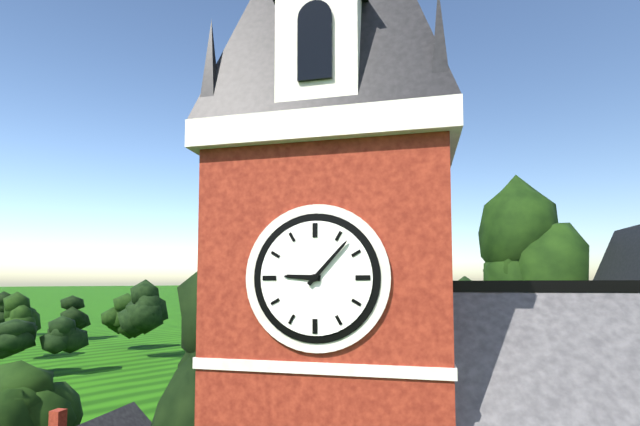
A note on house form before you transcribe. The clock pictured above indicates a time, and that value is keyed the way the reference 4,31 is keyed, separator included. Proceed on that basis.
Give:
9,07
